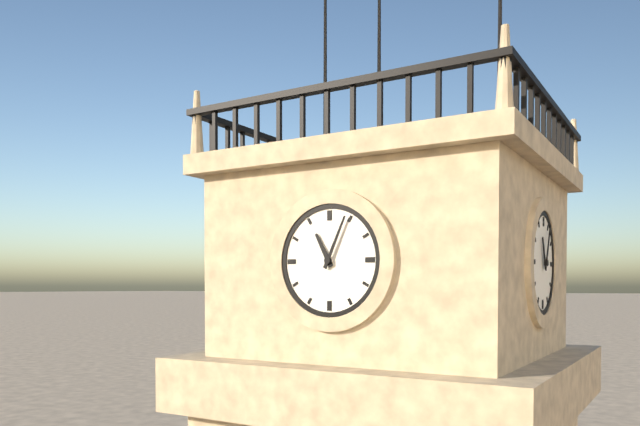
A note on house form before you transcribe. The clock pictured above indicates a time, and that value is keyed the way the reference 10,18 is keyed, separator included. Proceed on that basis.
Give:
11,04
